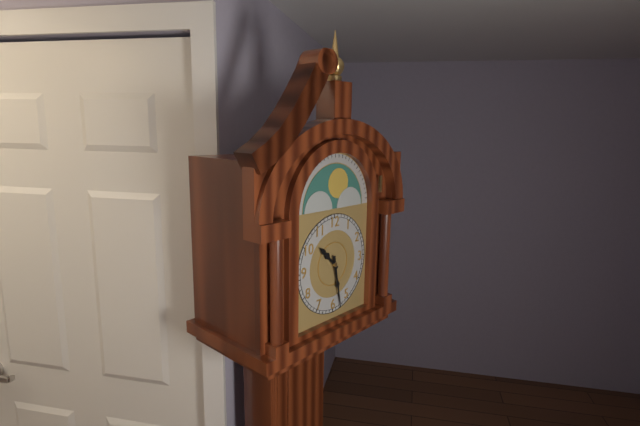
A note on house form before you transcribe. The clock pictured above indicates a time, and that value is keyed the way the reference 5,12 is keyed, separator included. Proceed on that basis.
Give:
10,28
